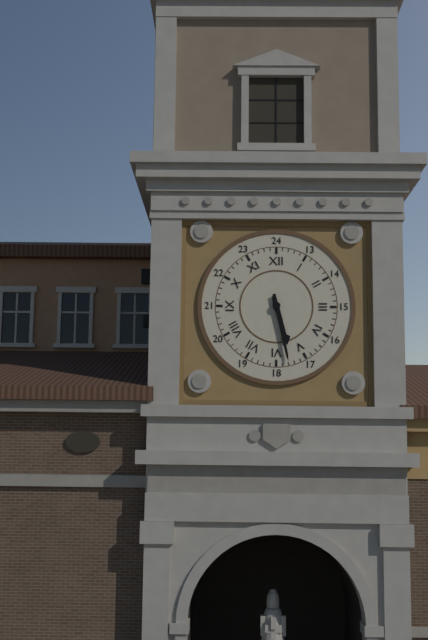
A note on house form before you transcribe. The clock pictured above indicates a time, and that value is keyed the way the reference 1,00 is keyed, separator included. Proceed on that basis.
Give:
5,28
